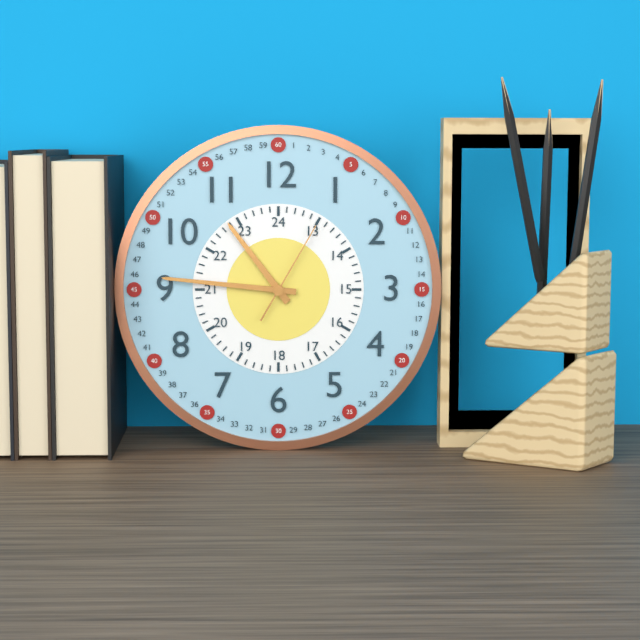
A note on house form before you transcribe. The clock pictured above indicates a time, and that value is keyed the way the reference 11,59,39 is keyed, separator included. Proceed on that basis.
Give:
10,46,05
